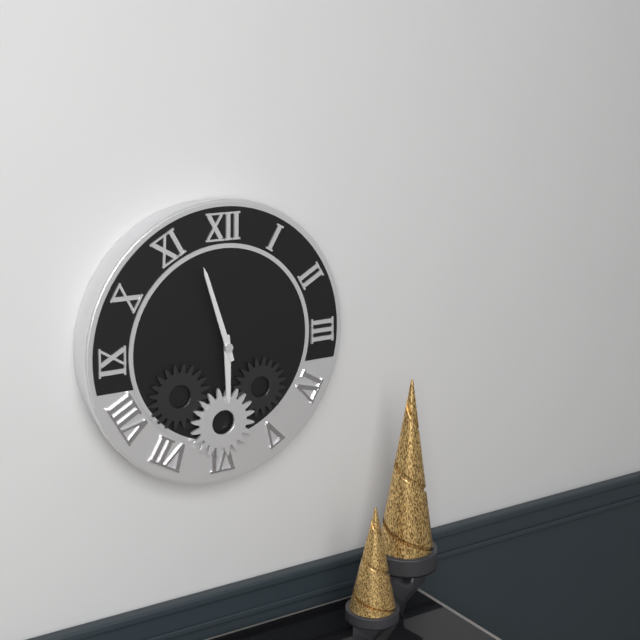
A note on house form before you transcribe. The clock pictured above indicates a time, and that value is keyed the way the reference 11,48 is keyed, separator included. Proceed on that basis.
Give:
5,57
